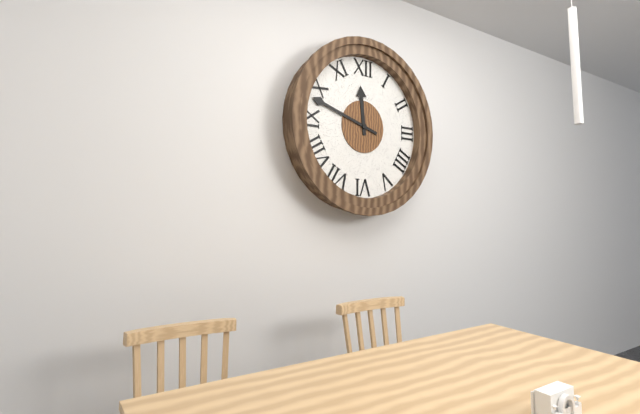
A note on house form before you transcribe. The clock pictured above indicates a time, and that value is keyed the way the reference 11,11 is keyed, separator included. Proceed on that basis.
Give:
11,48
